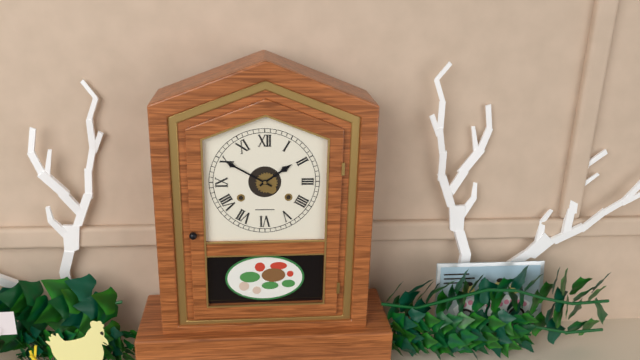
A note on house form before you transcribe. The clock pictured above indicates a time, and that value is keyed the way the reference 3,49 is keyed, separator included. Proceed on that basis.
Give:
1,50
